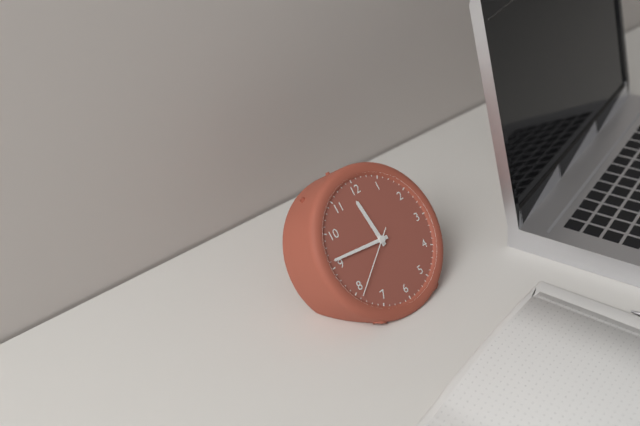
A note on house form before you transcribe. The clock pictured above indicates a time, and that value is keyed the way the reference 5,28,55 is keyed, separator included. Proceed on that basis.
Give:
11,46,39
